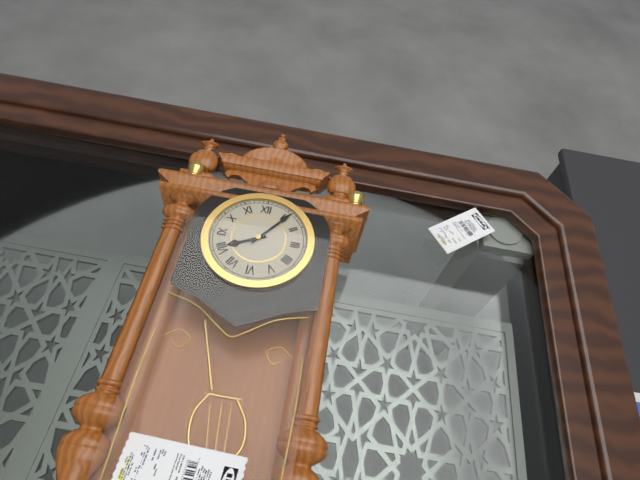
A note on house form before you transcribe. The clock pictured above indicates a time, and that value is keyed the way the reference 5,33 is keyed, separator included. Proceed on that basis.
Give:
8,06
